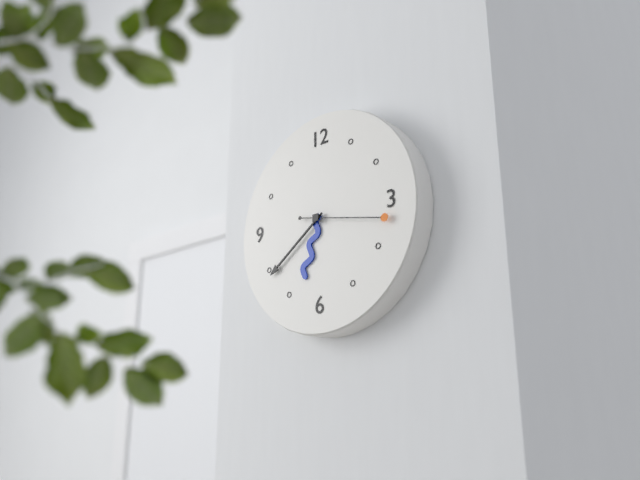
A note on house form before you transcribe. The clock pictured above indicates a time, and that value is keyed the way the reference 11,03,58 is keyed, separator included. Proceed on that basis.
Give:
6,39,17
